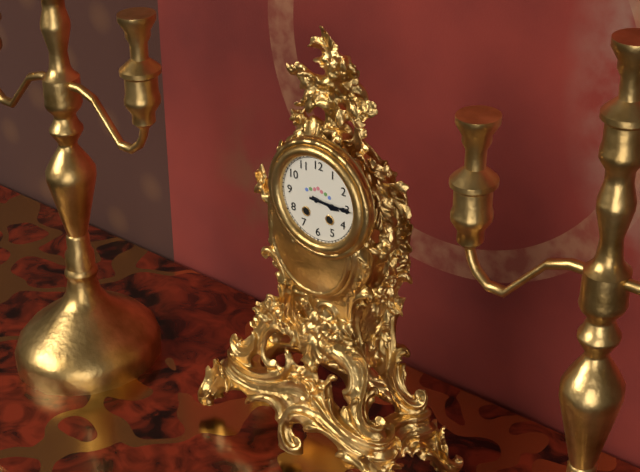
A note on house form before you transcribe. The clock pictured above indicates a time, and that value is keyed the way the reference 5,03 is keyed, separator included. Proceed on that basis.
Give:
3,15
